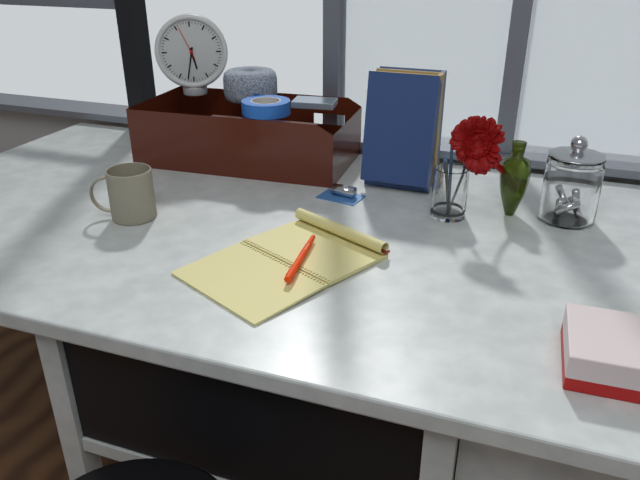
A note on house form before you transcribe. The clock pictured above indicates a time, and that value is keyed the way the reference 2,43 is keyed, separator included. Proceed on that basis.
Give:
5,32
